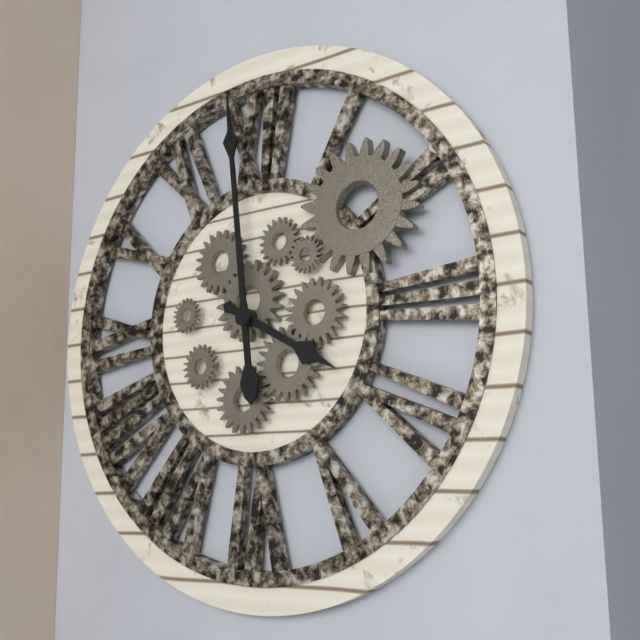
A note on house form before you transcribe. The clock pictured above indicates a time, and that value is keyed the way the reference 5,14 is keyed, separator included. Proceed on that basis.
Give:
3,59
